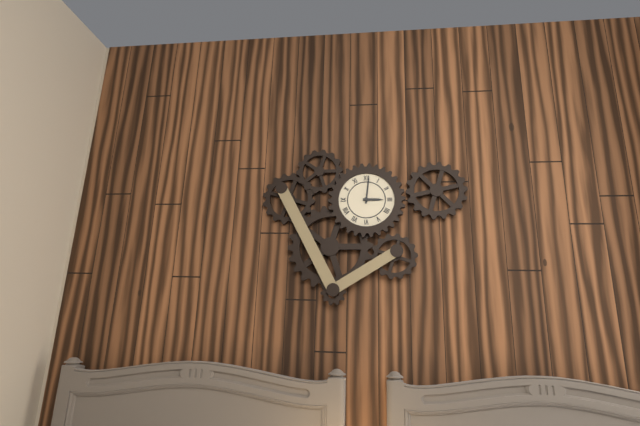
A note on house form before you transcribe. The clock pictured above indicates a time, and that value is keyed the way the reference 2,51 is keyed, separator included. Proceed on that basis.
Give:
3,01
